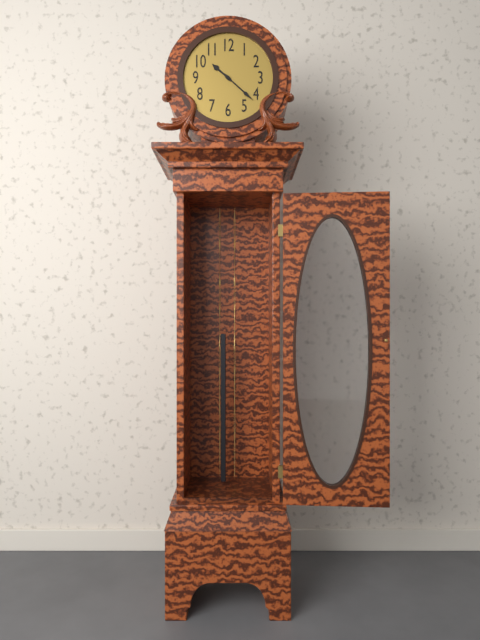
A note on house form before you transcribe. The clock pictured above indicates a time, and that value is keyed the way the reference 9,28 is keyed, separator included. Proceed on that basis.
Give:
10,22
